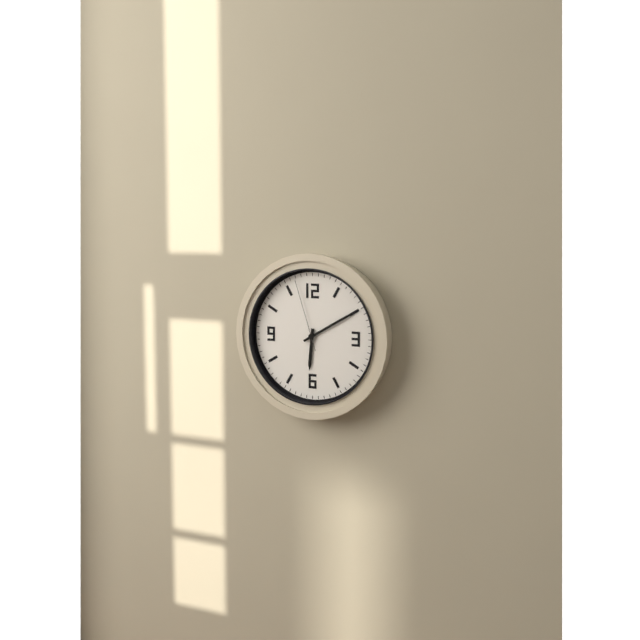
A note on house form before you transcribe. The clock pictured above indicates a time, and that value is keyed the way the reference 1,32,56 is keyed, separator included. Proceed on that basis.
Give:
6,10,57
